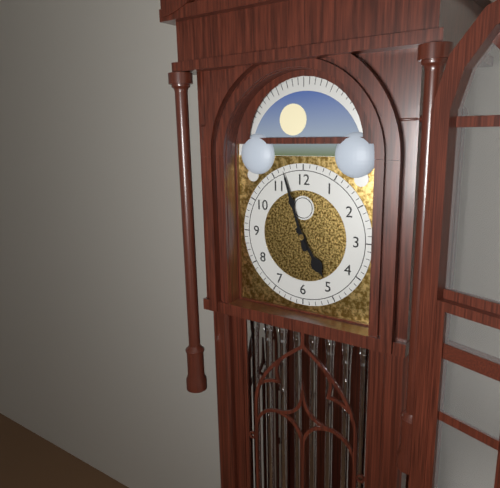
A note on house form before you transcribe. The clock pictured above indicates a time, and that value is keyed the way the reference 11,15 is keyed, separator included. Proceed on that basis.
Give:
4,57
